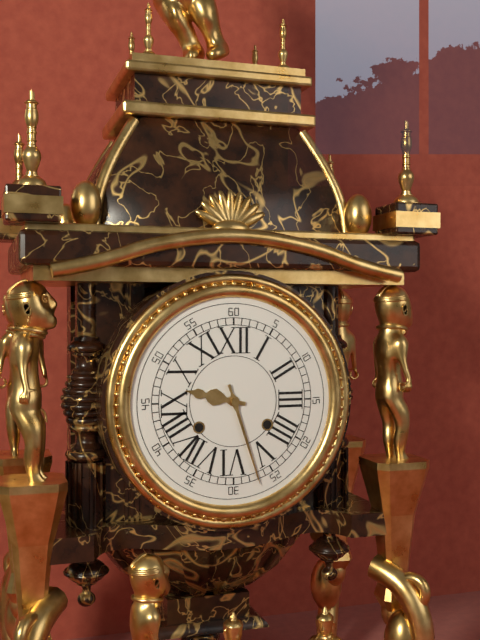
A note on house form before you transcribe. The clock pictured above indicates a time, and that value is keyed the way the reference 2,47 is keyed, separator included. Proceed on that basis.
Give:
9,27
